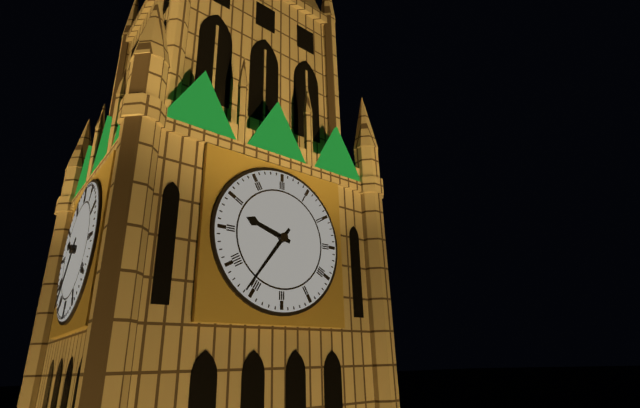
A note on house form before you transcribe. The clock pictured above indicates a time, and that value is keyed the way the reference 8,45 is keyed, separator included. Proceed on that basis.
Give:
9,36
